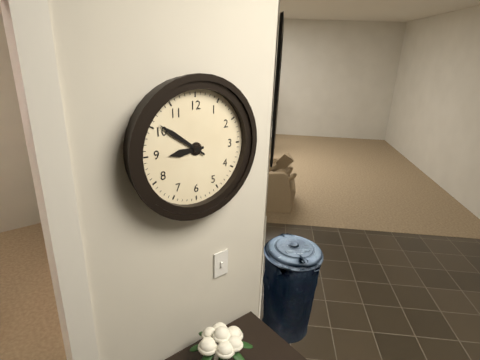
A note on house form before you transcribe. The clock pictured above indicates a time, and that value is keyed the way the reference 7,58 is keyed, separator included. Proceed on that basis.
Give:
8,51
